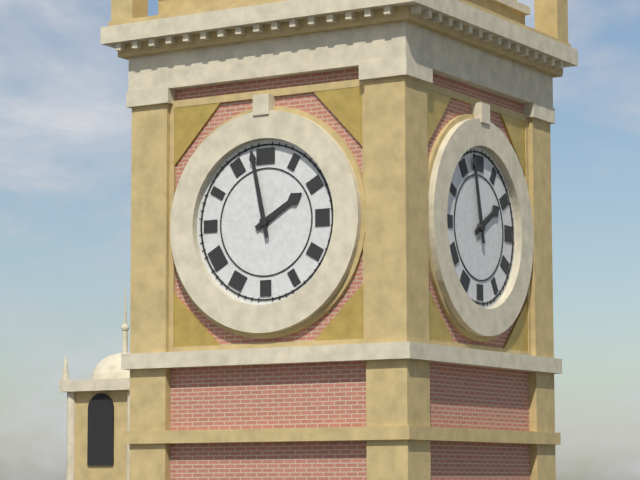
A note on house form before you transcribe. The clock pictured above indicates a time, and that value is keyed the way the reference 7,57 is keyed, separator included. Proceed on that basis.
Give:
1,58
